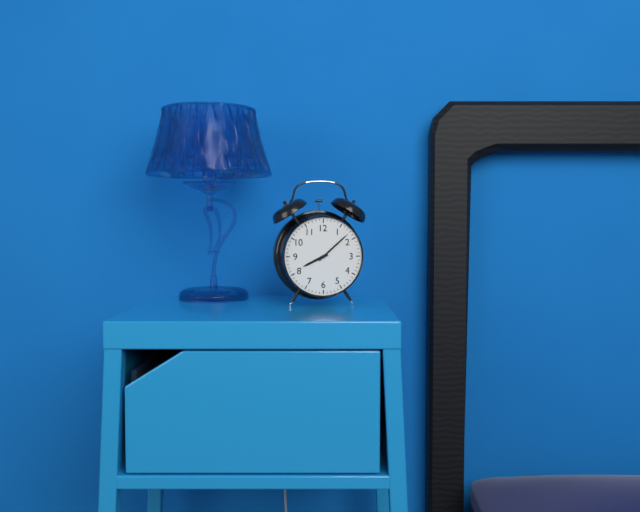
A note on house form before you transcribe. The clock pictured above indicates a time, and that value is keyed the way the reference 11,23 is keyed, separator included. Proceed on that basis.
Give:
8,08
